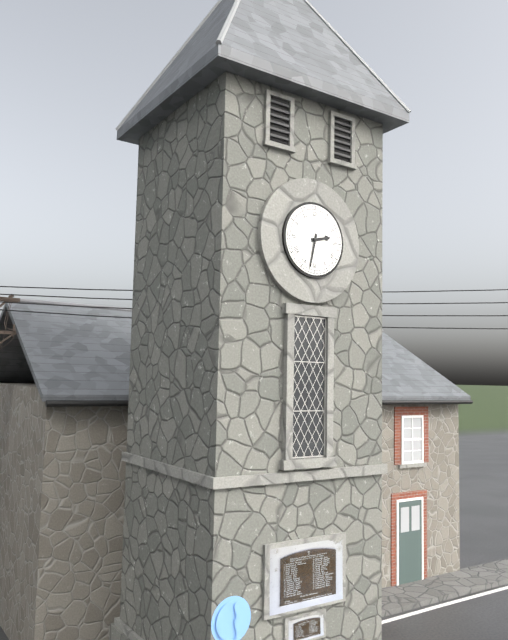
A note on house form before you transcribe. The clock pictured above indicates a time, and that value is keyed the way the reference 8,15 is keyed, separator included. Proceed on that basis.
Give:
2,32
